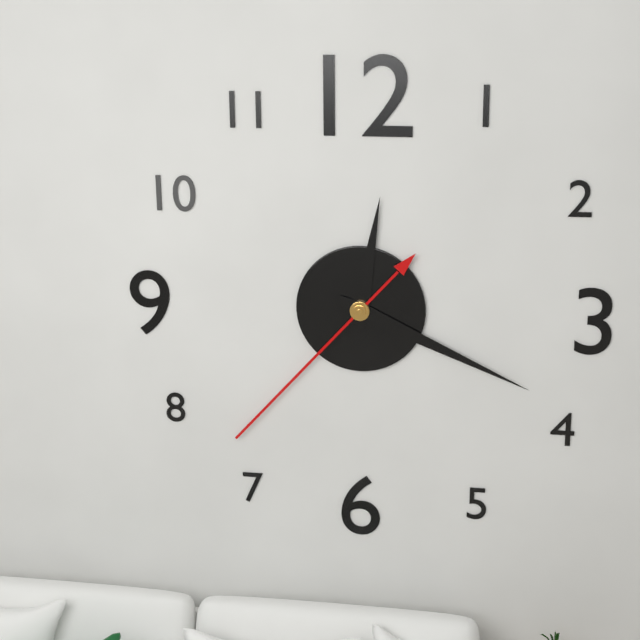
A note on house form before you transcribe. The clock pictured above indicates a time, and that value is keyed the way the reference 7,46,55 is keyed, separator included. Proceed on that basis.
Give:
12,19,37
